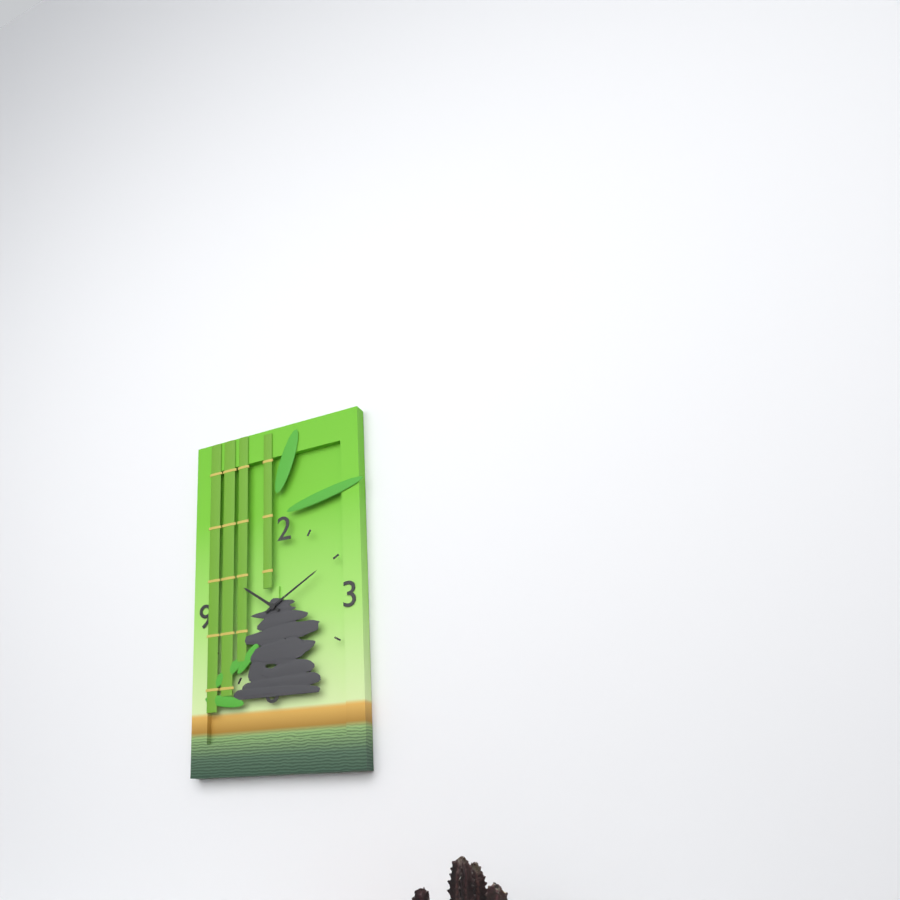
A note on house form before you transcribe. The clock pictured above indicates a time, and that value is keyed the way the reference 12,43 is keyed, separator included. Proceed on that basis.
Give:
10,10
